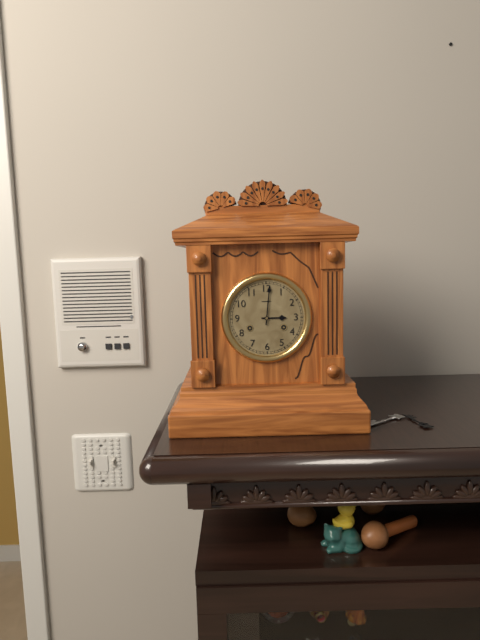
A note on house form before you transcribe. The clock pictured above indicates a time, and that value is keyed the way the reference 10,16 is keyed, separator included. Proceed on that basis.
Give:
3,01
